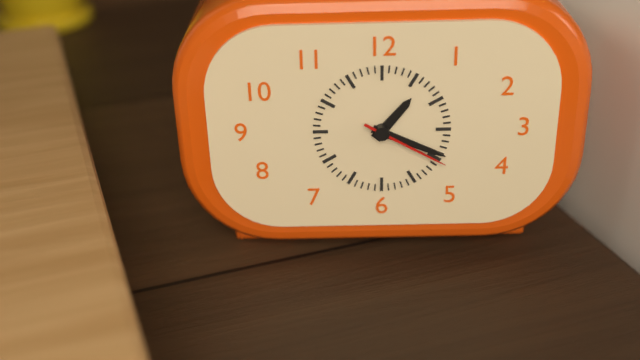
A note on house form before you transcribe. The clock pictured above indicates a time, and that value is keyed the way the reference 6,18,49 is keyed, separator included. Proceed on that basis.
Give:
1,19,20
